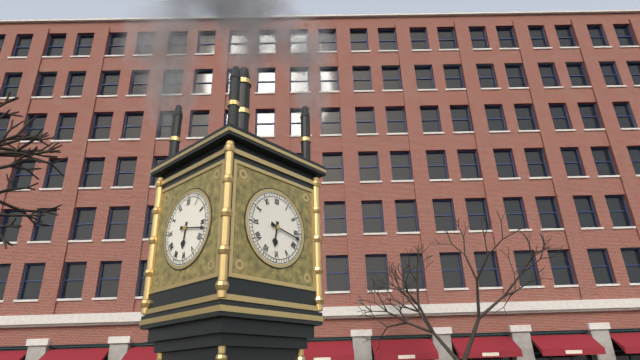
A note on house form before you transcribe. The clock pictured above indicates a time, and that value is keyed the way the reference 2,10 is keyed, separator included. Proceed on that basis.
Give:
6,17
